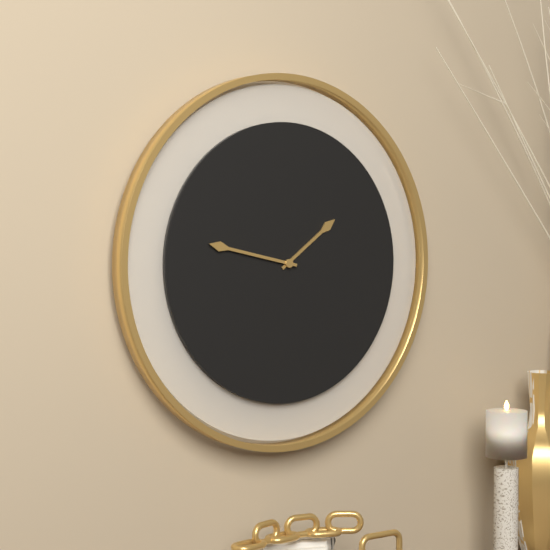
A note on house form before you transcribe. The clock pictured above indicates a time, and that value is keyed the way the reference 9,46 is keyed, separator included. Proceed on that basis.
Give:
1,47
